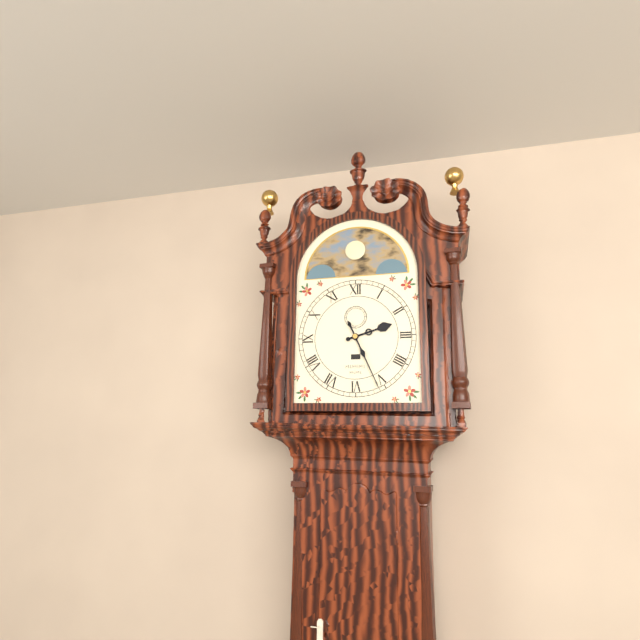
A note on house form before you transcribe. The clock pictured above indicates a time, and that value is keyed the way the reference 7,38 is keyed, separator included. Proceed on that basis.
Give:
2,26
